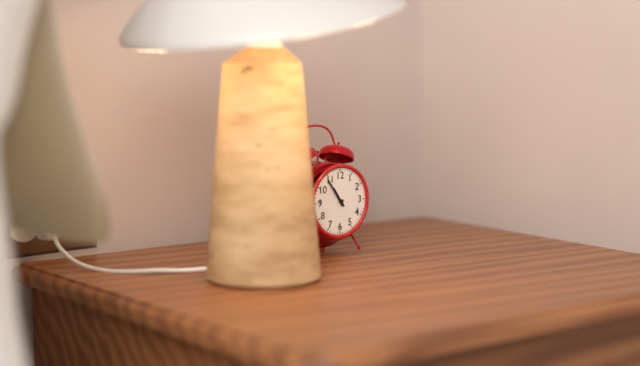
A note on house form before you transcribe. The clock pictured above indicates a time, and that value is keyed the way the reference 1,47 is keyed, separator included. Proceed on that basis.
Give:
10,54
